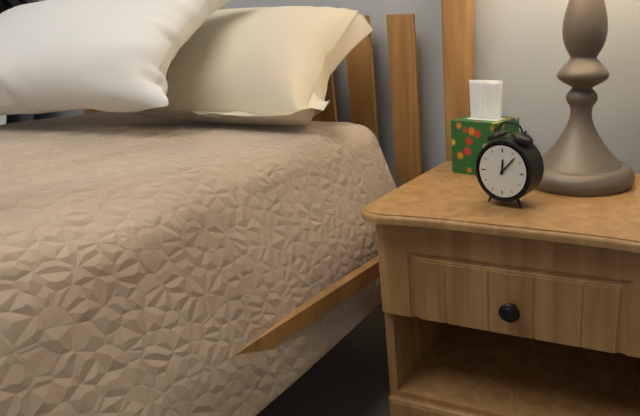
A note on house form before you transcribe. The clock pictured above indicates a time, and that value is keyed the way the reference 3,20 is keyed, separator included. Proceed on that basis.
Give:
12,07
